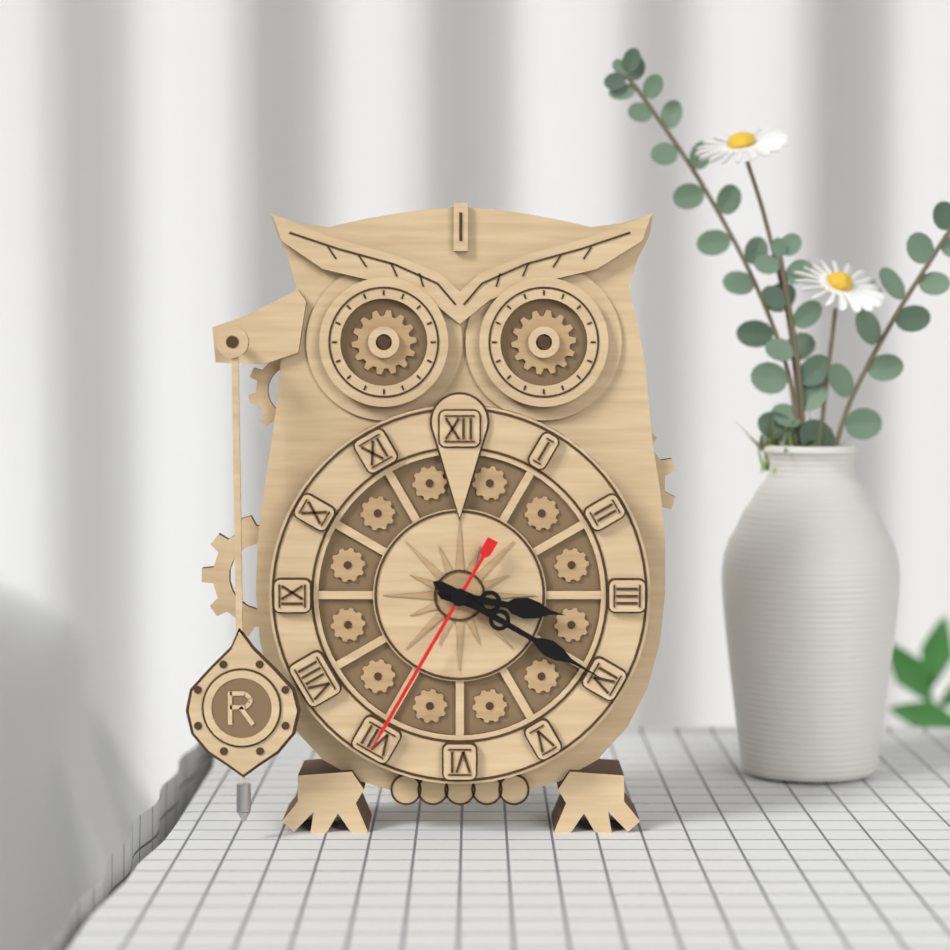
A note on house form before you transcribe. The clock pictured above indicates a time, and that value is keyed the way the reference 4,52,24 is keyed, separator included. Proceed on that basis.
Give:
3,20,35
